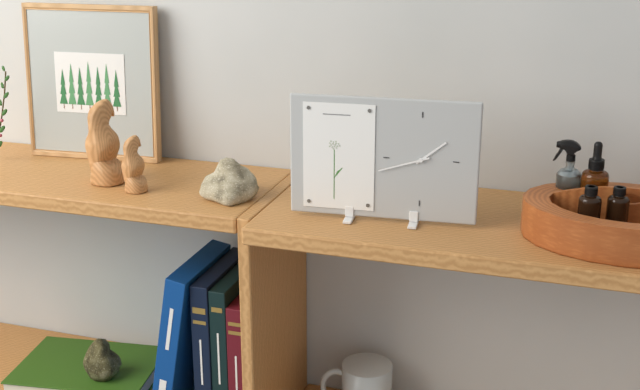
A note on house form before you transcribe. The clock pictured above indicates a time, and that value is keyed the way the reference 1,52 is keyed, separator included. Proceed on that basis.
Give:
1,42
